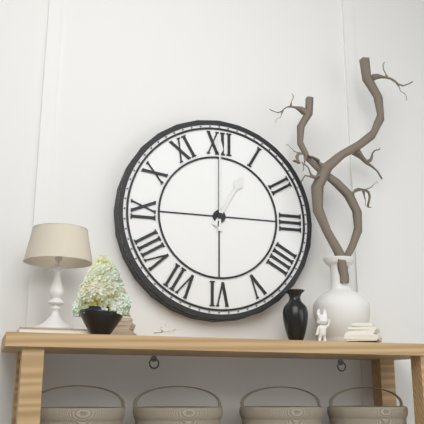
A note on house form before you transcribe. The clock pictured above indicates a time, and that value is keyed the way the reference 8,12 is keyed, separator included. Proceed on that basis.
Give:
1,00
